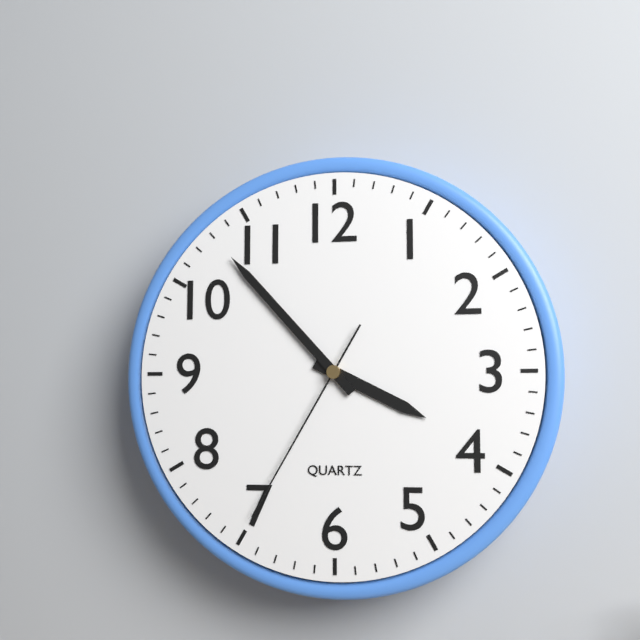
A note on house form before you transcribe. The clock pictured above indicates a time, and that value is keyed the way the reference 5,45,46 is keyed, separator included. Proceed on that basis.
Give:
3,53,35
